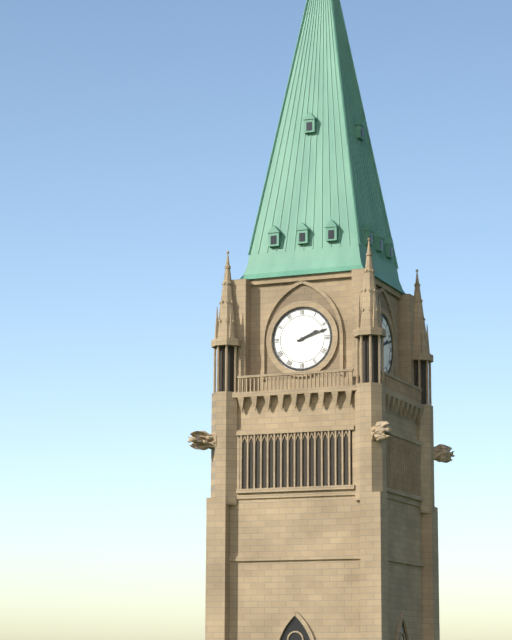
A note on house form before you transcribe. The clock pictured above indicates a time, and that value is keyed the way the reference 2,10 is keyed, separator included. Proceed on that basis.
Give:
2,12
